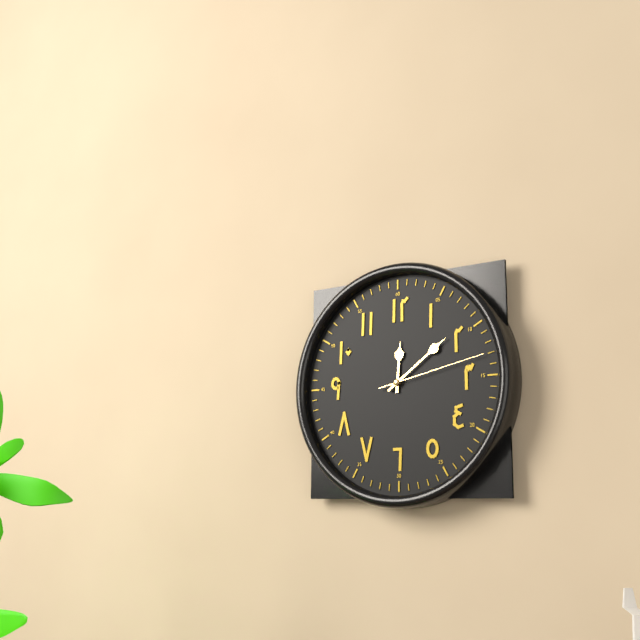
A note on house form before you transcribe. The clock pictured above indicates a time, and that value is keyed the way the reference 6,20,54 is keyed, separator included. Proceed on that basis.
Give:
12,09,13
